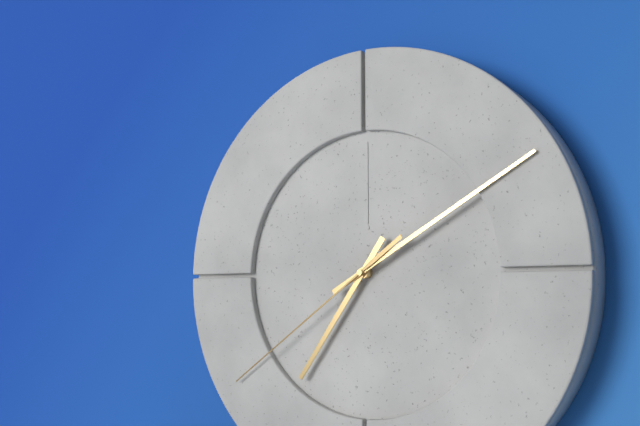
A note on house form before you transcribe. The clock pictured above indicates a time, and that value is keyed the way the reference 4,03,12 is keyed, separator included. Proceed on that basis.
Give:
7,10,39
